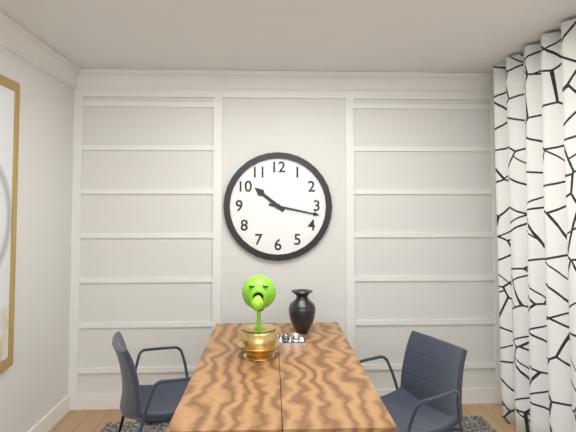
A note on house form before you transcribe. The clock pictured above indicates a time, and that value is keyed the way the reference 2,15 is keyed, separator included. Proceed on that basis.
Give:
10,17
